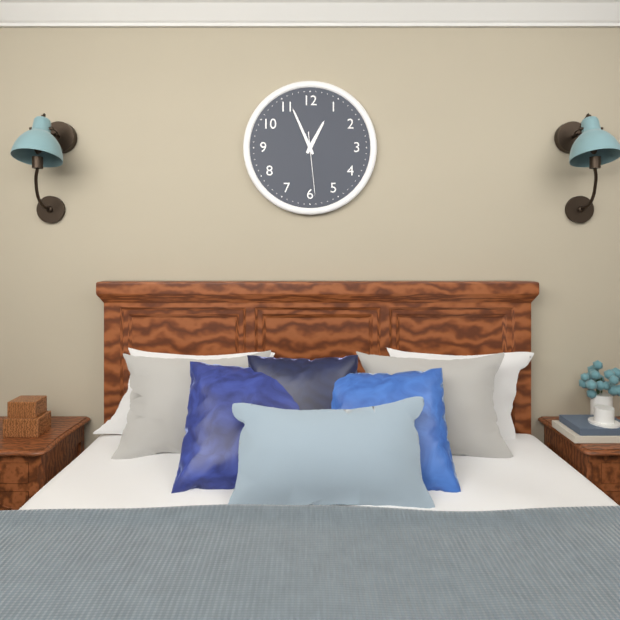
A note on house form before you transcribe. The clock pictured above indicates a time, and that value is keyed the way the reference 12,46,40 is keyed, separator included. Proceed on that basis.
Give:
12,56,29
